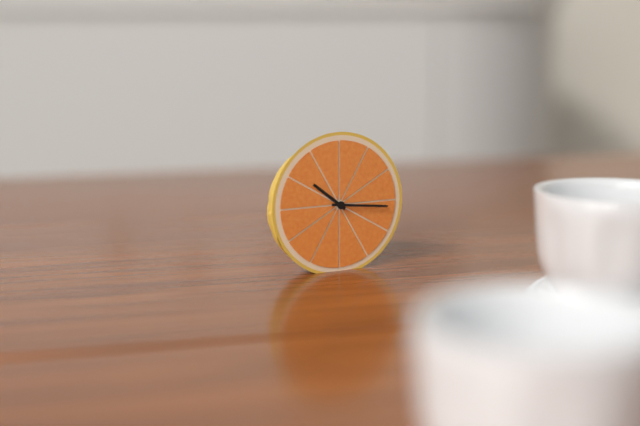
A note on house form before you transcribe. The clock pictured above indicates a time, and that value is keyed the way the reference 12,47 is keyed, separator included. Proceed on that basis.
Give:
10,16
